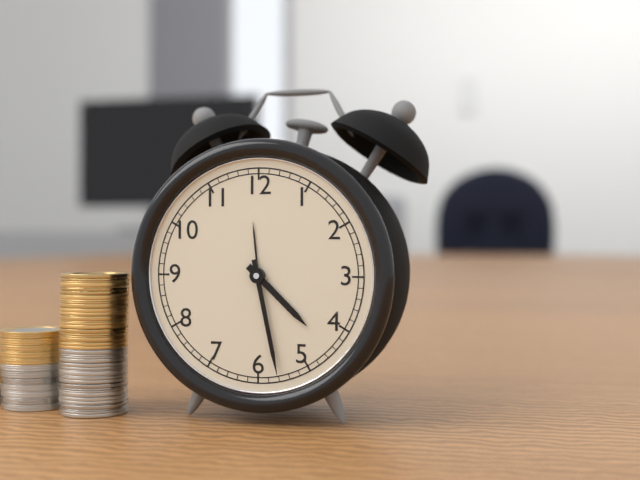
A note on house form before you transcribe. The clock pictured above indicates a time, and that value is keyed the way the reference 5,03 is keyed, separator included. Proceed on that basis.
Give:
4,28
